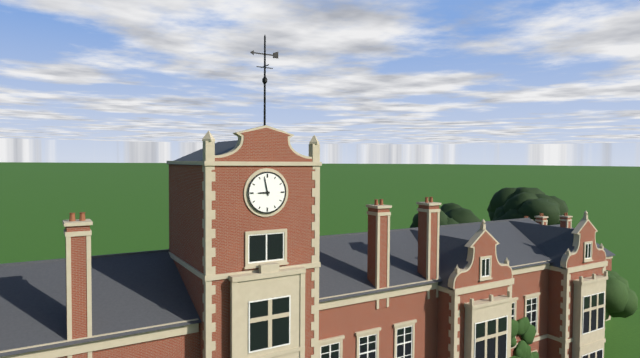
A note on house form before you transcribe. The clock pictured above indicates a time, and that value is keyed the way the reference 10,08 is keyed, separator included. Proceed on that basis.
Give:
8,58
